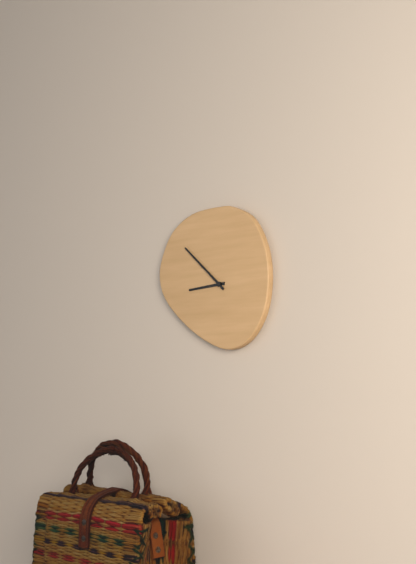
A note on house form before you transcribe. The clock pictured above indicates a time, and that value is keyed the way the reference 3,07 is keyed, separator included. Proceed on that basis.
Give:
8,52
